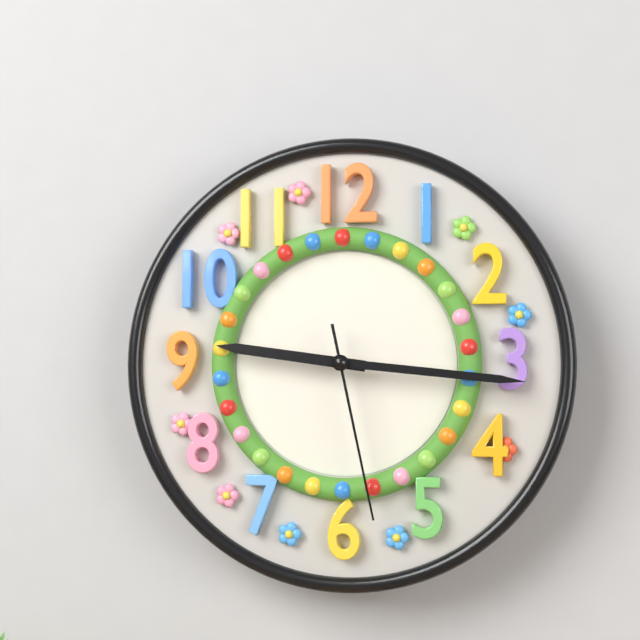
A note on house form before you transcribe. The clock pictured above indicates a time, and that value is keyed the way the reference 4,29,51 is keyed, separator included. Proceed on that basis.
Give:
9,16,28
